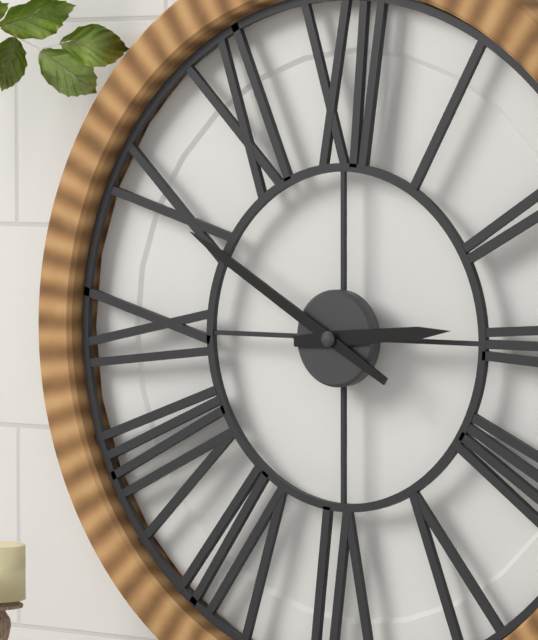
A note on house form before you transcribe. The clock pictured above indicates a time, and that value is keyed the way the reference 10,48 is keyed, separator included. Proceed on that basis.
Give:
2,50
